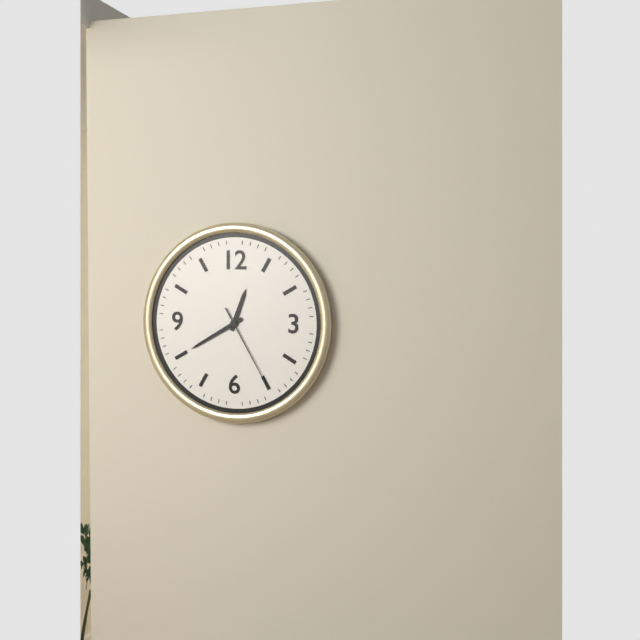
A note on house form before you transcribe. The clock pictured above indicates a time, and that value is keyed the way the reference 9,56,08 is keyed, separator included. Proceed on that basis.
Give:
12,40,25
